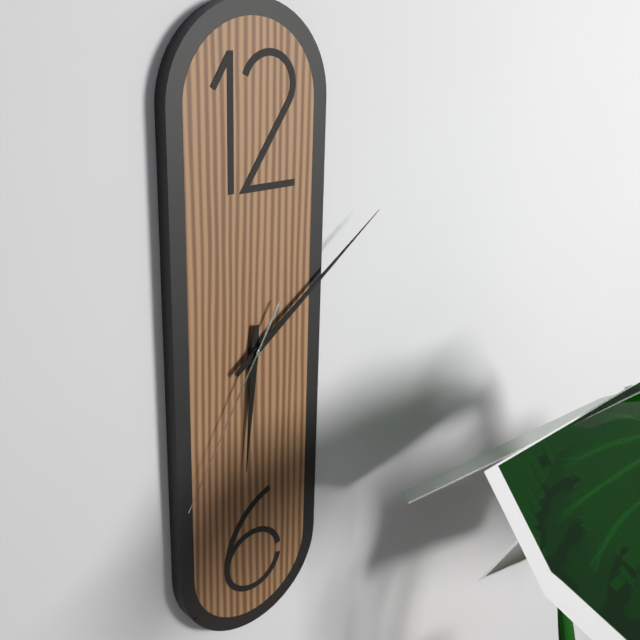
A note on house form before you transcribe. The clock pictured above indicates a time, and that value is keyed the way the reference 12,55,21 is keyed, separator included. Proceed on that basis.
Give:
6,09,35
